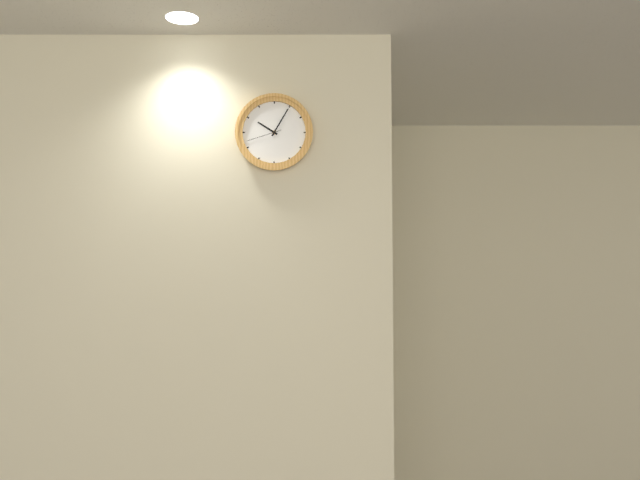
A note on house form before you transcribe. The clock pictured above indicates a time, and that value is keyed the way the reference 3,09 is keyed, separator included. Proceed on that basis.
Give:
10,05
